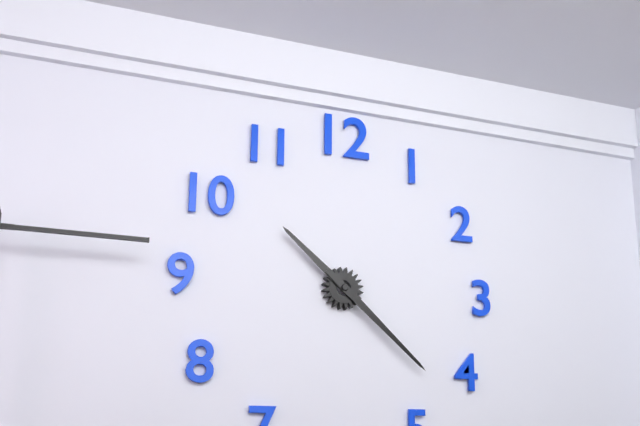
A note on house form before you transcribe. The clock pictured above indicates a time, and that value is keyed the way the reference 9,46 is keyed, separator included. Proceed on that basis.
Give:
10,22
